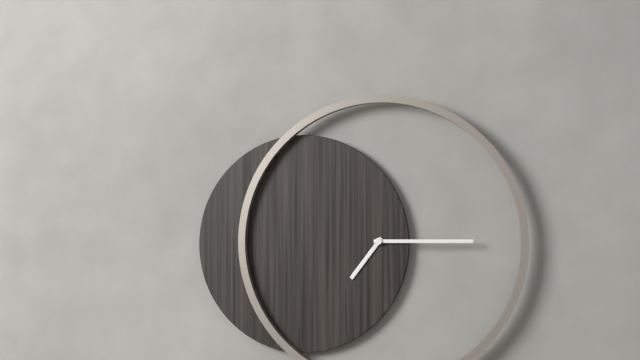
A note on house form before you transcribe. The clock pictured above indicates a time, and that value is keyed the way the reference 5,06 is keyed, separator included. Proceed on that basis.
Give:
7,15
